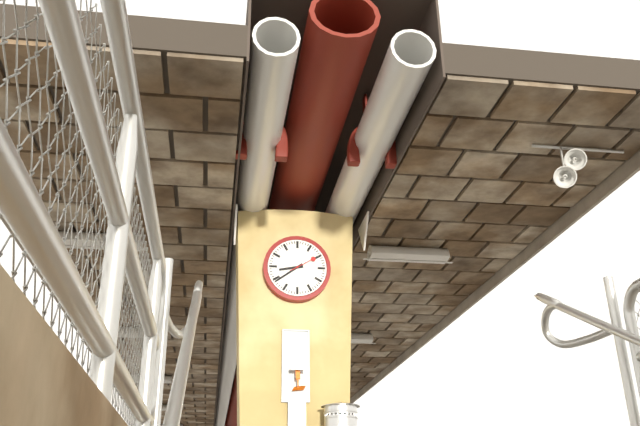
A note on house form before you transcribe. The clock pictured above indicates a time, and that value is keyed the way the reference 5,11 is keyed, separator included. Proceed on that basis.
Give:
8,39
